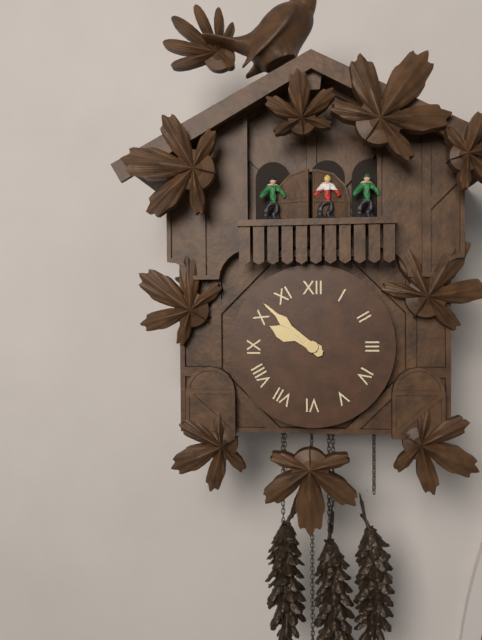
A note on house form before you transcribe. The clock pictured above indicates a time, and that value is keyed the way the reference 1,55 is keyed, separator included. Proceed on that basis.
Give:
9,52
